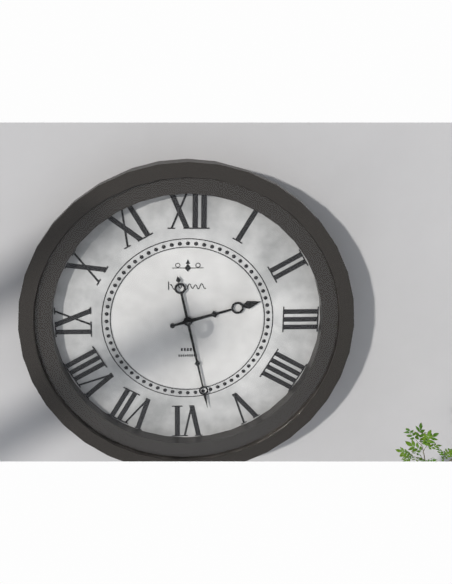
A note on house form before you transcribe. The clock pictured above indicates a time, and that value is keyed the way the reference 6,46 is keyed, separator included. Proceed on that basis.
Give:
2,28
